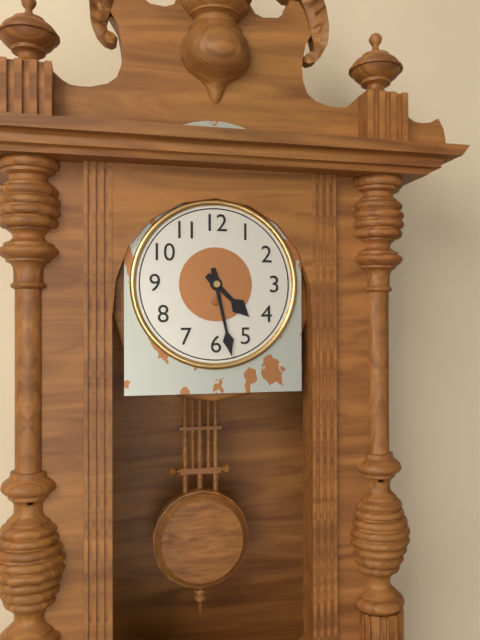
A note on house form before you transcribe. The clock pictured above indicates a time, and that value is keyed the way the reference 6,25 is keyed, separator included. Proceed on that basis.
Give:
4,28
